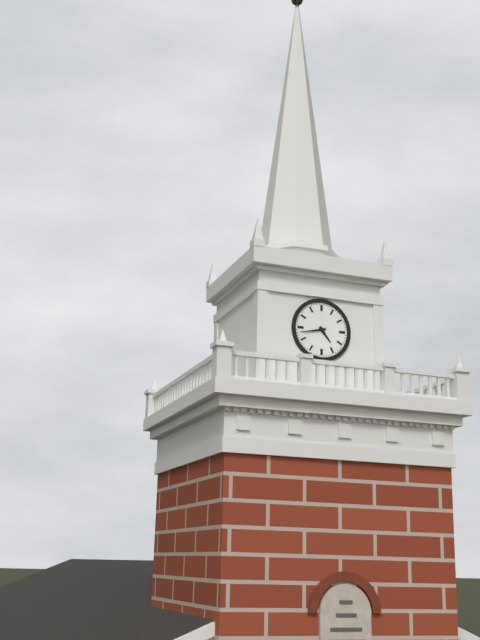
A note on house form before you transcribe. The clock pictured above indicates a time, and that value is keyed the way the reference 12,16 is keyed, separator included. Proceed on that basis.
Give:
4,43
